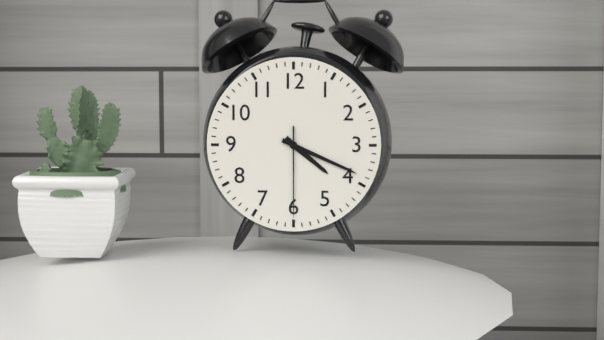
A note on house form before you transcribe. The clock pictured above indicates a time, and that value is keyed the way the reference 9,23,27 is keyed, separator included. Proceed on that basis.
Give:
4,19,30
